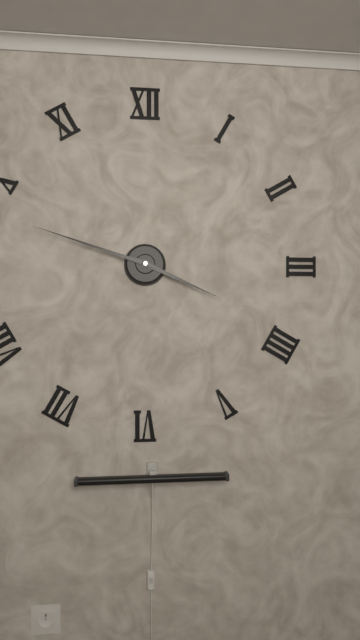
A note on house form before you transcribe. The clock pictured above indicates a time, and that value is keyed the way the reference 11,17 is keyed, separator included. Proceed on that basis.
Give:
3,48
